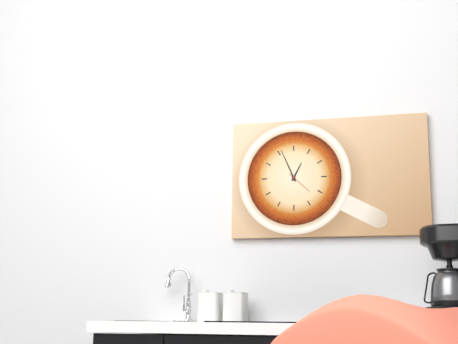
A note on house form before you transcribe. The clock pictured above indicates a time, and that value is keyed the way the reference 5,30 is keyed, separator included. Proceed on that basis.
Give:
12,56
